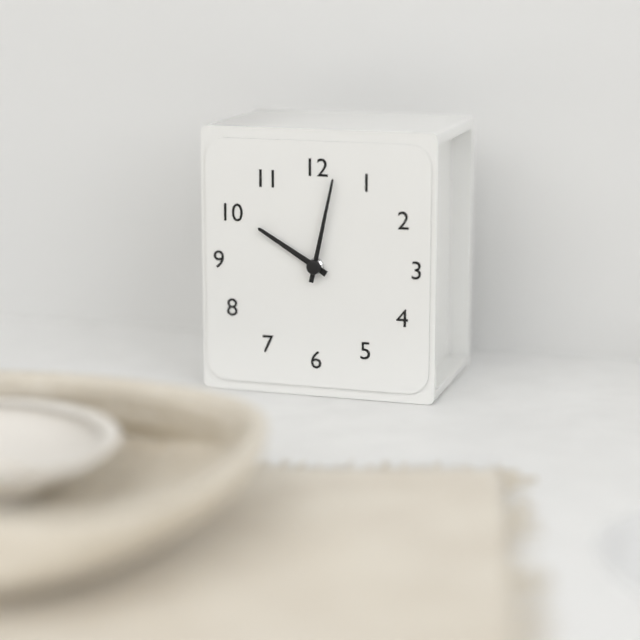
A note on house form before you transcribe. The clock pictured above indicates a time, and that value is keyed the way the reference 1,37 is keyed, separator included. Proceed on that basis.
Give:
10,02
